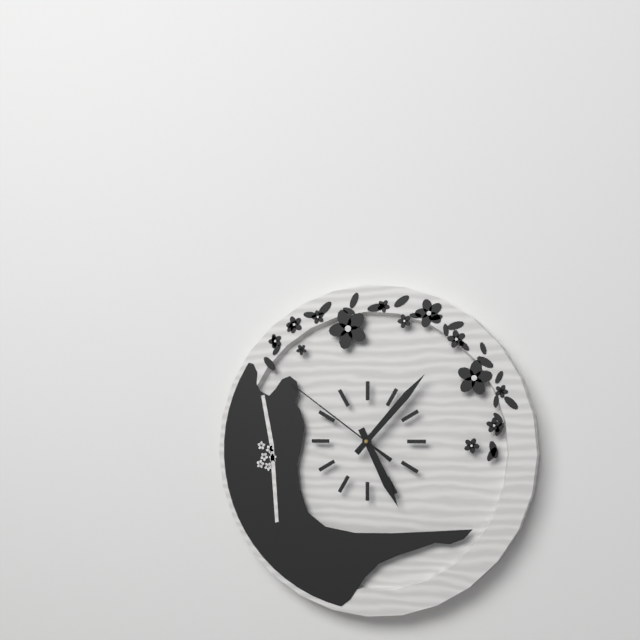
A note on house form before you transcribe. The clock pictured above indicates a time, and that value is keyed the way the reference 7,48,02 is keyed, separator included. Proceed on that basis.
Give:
5,07,51
